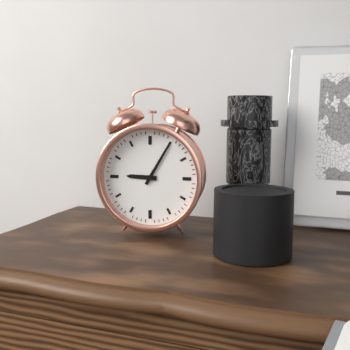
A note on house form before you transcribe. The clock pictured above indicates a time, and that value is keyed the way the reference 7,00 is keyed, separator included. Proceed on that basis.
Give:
9,05
